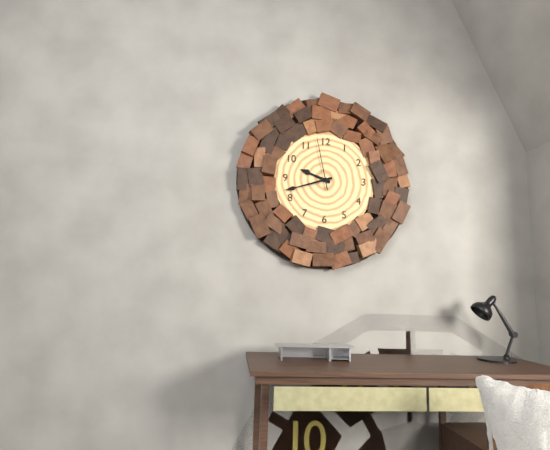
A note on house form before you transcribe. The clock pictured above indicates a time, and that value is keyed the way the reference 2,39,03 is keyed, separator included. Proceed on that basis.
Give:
9,42,58
